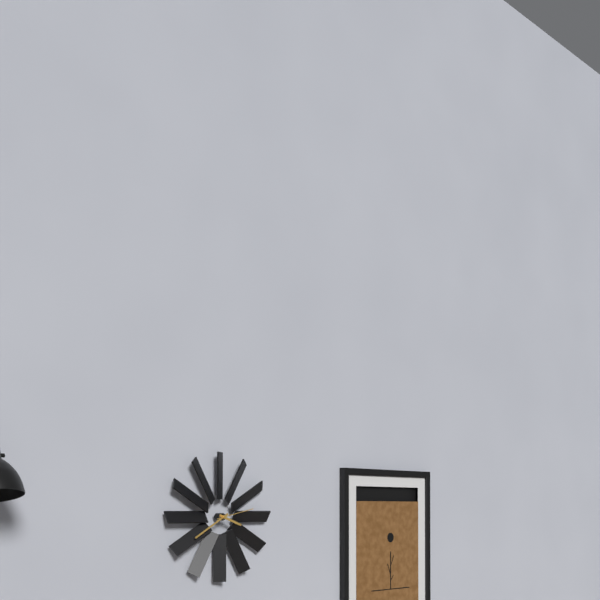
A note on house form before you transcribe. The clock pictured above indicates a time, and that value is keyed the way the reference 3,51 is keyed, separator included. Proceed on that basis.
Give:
3,40
